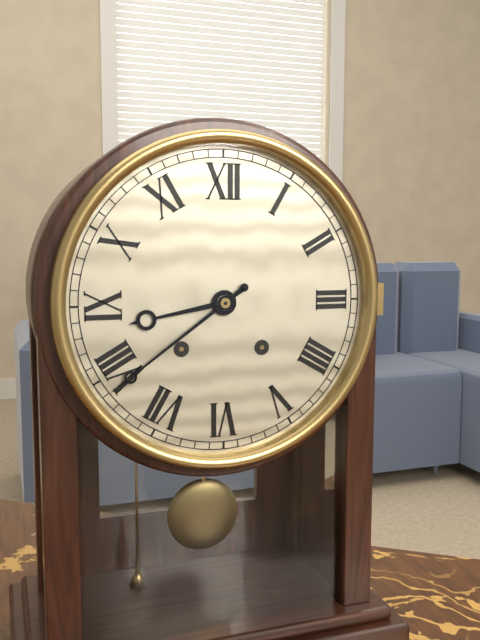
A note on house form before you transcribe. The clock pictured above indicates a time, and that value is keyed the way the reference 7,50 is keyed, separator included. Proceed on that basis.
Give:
8,39
